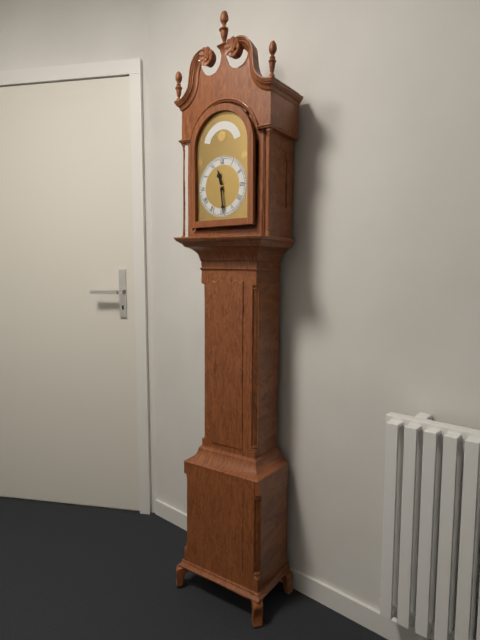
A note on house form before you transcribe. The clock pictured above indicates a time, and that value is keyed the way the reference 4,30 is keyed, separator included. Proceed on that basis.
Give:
11,29
